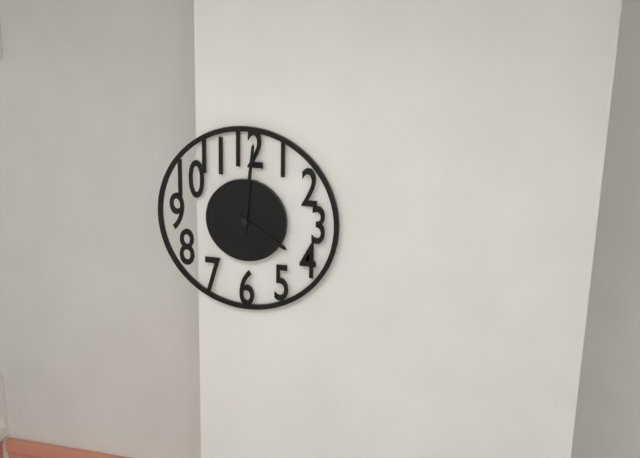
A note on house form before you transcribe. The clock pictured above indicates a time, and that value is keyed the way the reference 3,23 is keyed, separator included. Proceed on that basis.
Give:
4,01
